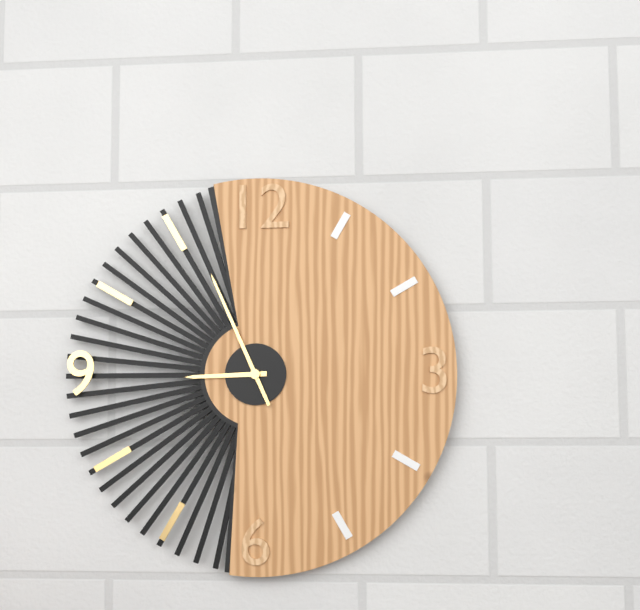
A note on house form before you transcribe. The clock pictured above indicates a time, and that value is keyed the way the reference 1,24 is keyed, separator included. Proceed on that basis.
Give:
8,56
